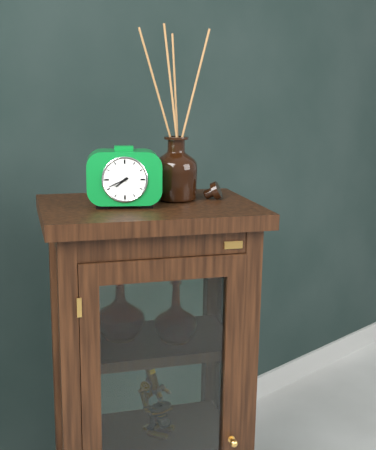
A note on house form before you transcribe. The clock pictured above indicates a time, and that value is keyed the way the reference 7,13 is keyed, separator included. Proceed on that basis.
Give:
7,41
